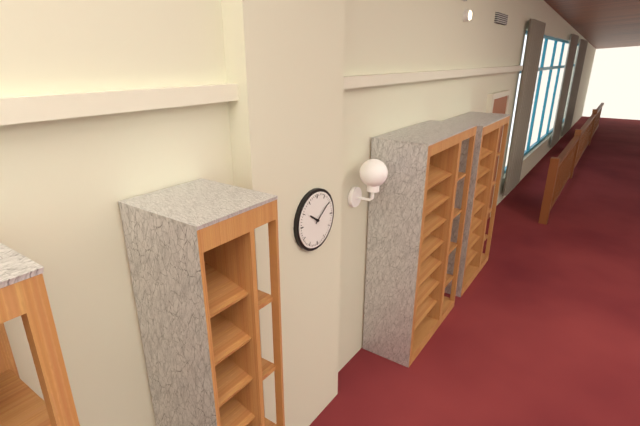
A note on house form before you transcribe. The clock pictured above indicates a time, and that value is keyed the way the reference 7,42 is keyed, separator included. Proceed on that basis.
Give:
10,09
